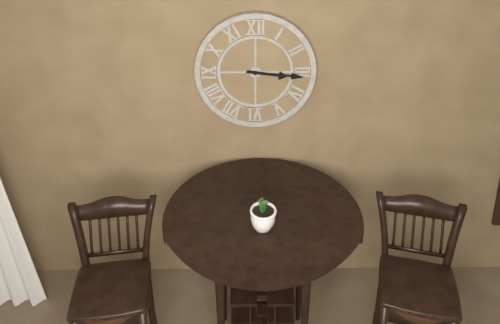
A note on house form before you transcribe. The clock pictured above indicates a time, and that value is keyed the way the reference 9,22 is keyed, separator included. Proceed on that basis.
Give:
3,16
